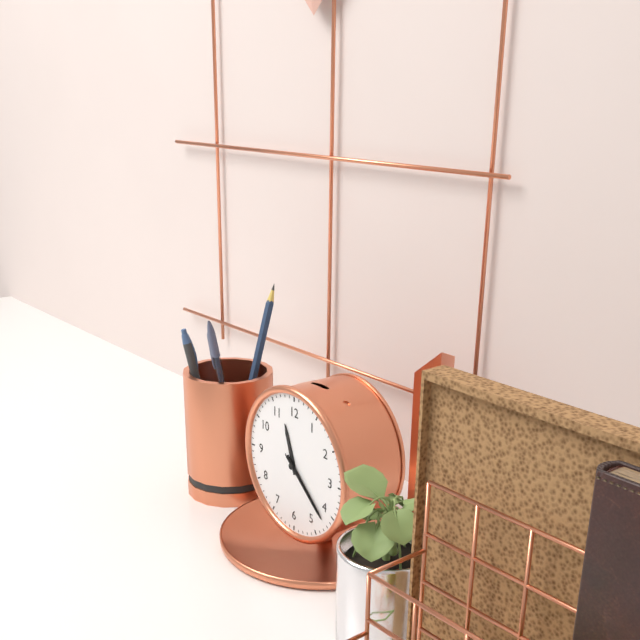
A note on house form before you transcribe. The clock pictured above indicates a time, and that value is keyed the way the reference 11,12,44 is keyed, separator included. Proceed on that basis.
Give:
11,22,22
